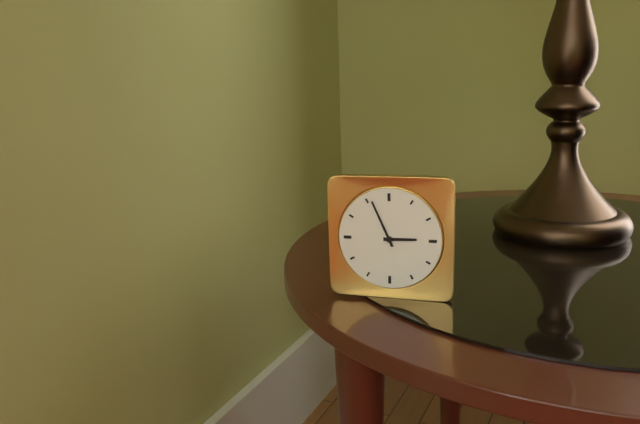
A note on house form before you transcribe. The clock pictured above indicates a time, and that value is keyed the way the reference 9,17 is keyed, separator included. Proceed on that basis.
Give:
2,56
